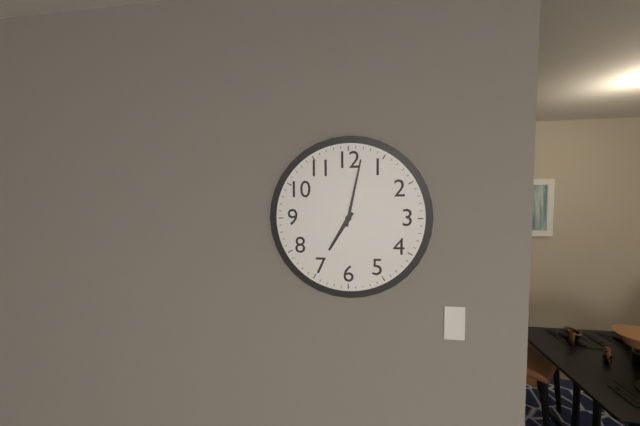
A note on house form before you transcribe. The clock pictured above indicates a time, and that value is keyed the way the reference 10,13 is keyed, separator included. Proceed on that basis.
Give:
7,02
